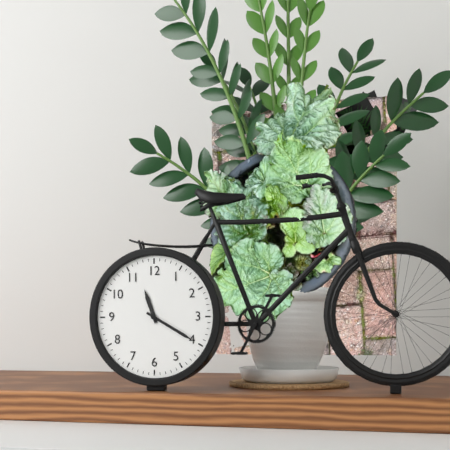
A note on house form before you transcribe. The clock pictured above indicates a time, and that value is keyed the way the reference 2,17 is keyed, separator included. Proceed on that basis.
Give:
11,20
